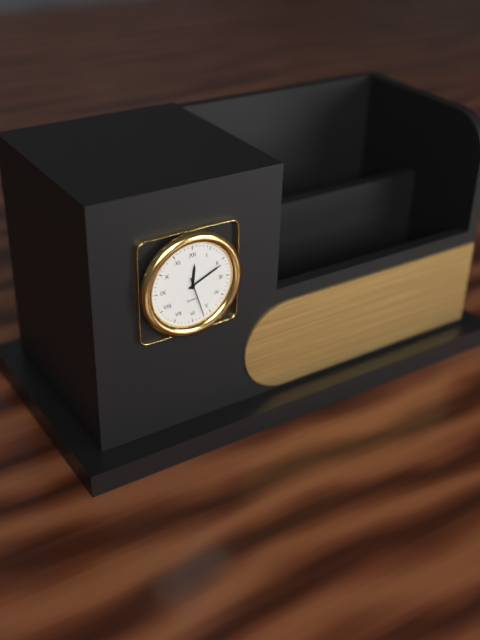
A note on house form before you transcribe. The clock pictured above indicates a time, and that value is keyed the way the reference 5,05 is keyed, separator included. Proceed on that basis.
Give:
12,11
